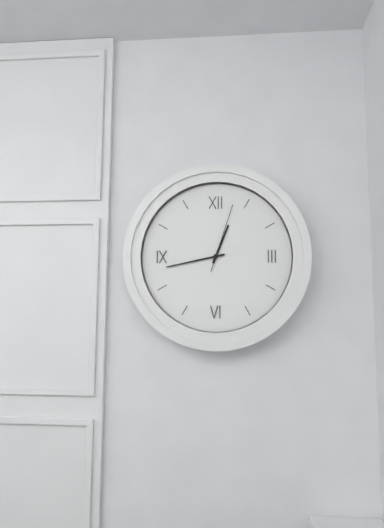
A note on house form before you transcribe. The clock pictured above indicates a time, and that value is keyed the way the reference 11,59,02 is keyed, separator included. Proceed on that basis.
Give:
12,43,03
